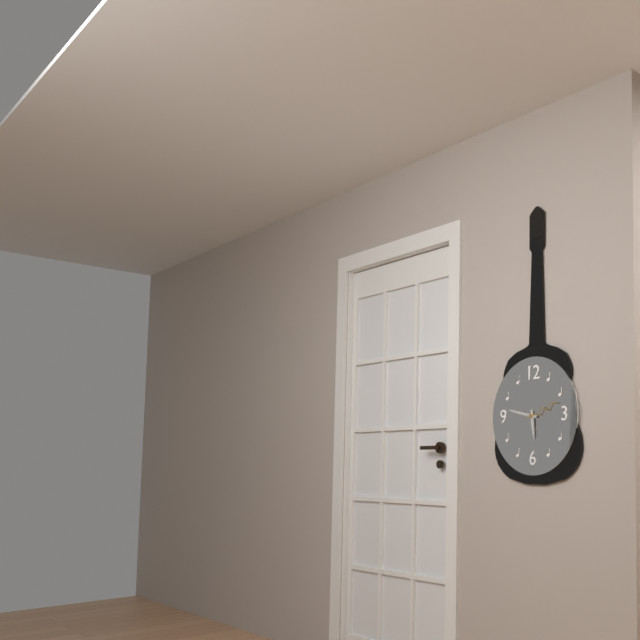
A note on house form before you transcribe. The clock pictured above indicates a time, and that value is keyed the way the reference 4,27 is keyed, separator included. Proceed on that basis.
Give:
5,47
